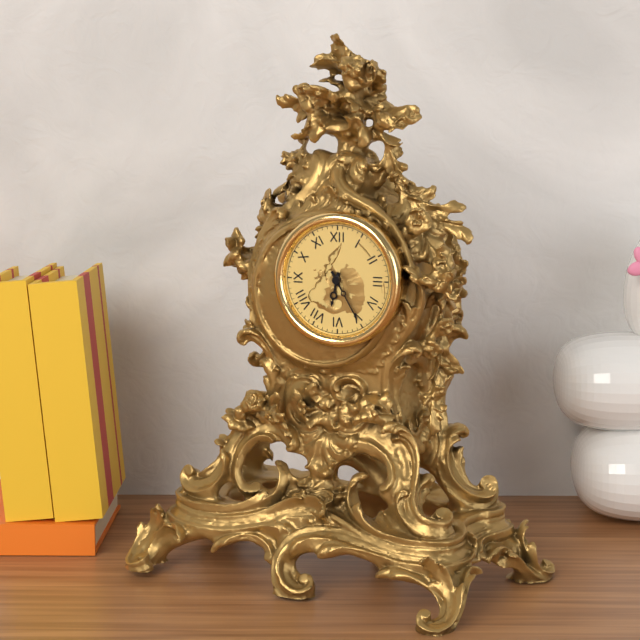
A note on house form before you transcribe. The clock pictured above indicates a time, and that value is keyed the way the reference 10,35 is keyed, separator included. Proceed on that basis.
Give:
6,25
